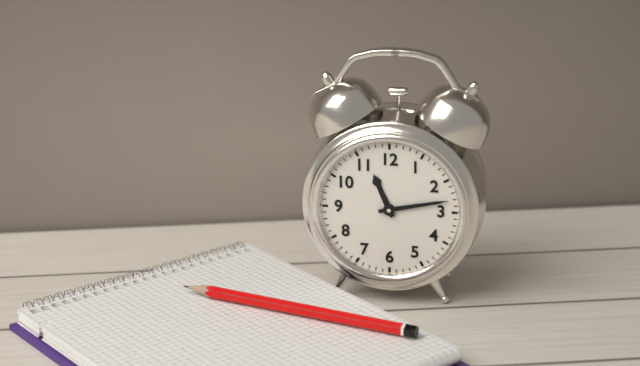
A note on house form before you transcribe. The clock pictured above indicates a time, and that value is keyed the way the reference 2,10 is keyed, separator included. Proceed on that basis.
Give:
11,13
